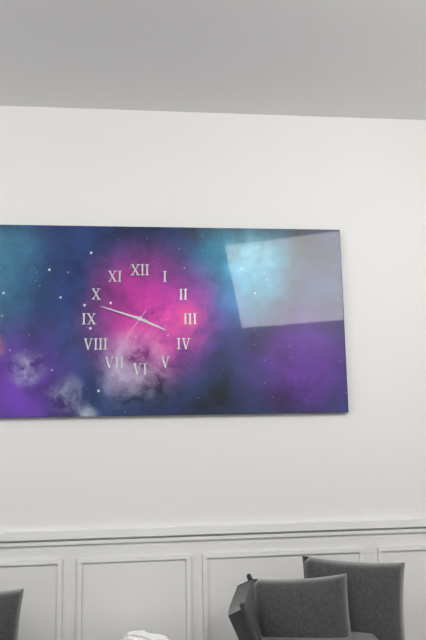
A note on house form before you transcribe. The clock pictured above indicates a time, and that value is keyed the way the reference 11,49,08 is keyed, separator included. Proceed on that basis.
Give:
3,48,36
